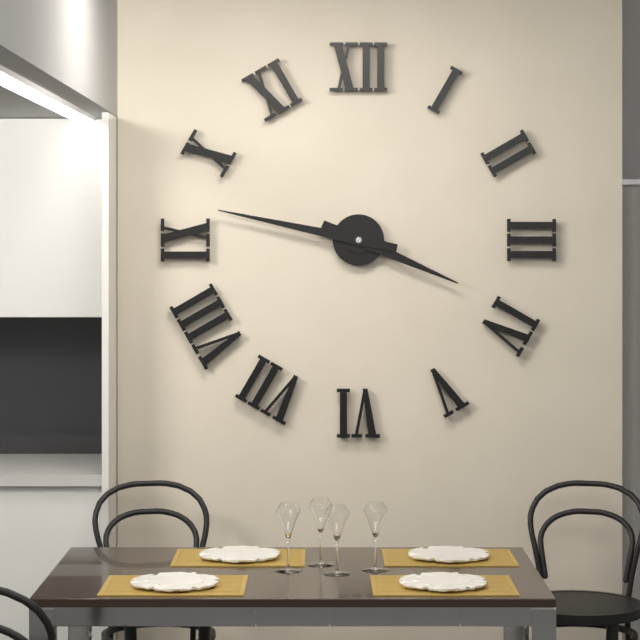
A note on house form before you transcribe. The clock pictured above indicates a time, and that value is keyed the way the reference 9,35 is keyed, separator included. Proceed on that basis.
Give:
3,47
